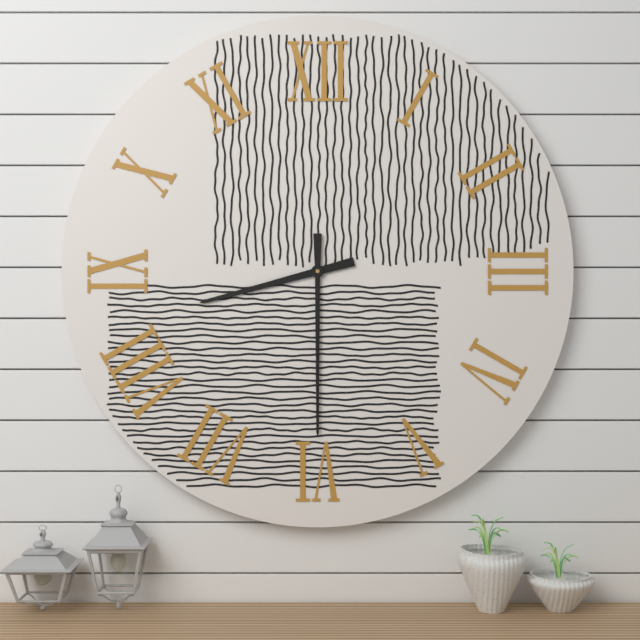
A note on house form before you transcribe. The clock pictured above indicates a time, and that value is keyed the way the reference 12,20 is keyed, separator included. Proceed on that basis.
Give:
8,30
